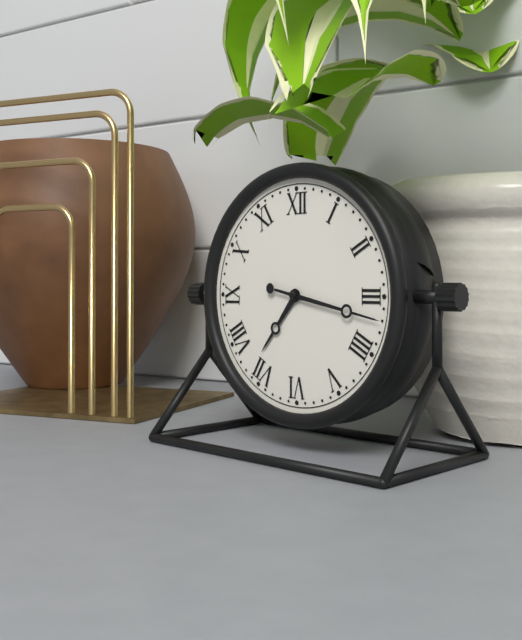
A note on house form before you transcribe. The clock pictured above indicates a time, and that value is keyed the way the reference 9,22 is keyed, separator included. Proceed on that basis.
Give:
7,17
